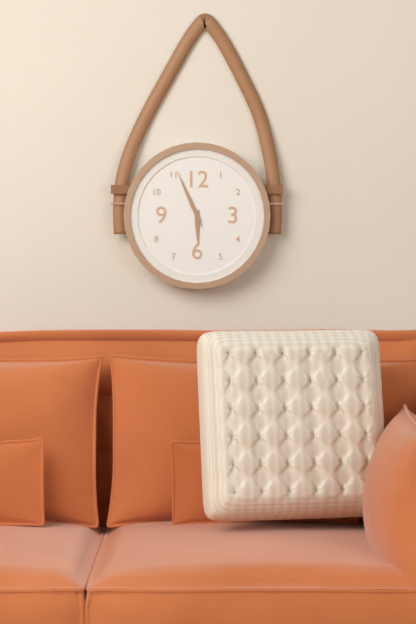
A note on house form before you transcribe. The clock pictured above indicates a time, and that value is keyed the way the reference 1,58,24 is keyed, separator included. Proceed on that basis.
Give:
5,56,56
